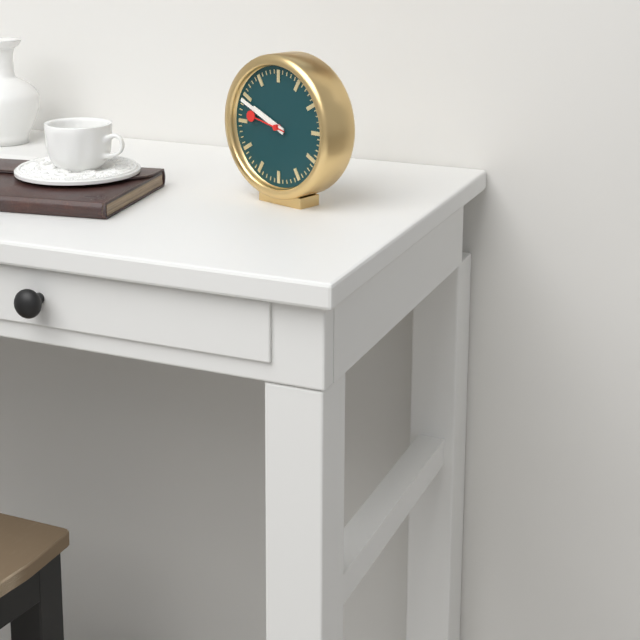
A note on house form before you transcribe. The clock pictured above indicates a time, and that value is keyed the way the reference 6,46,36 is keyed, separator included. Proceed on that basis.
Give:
9,49,47
